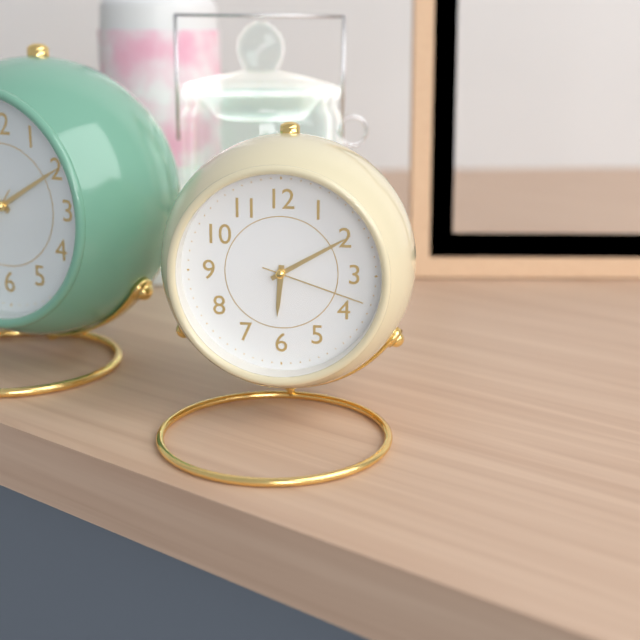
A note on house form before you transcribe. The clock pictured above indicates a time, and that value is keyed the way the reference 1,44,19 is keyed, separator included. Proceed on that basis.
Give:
6,10,18
